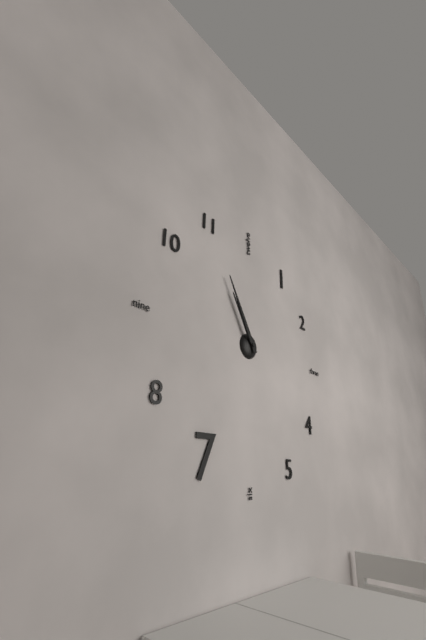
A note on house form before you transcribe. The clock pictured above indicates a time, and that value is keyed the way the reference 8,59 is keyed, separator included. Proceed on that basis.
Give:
10,55
